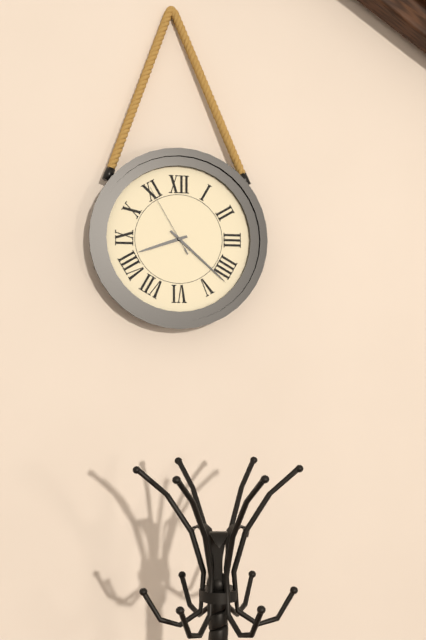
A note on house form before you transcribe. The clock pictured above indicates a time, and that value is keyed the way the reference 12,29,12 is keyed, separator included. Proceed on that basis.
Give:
8,22,55
